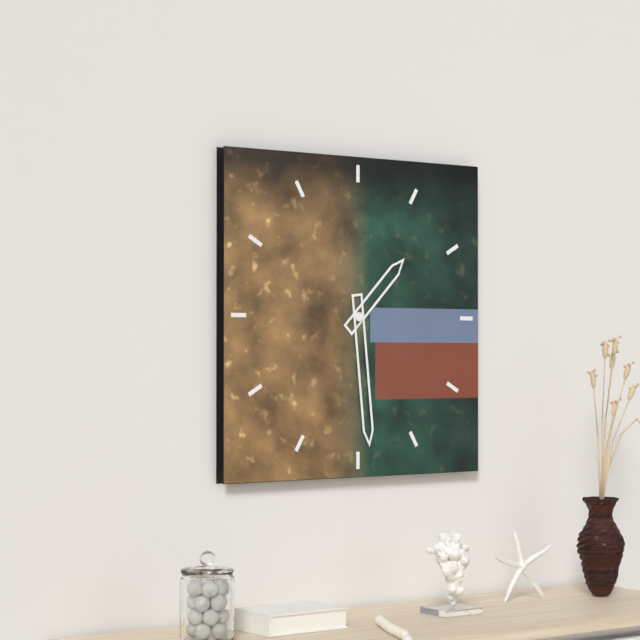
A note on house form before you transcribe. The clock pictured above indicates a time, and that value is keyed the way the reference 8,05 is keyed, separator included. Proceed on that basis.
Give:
1,29
